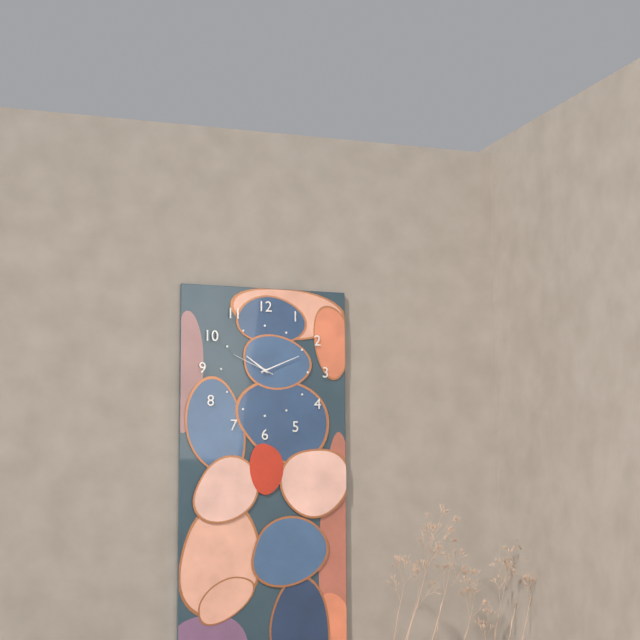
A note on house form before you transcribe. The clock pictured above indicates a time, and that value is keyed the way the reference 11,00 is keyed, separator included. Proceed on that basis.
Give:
10,11
